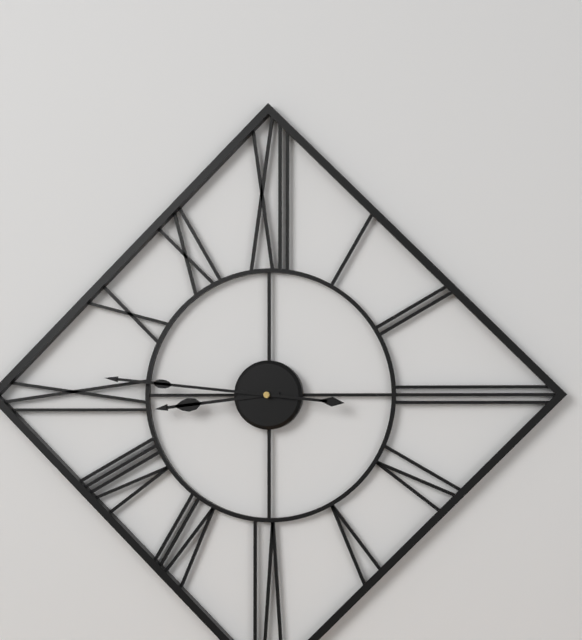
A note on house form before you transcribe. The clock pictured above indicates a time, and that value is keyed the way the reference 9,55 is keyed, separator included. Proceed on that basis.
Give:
8,46
